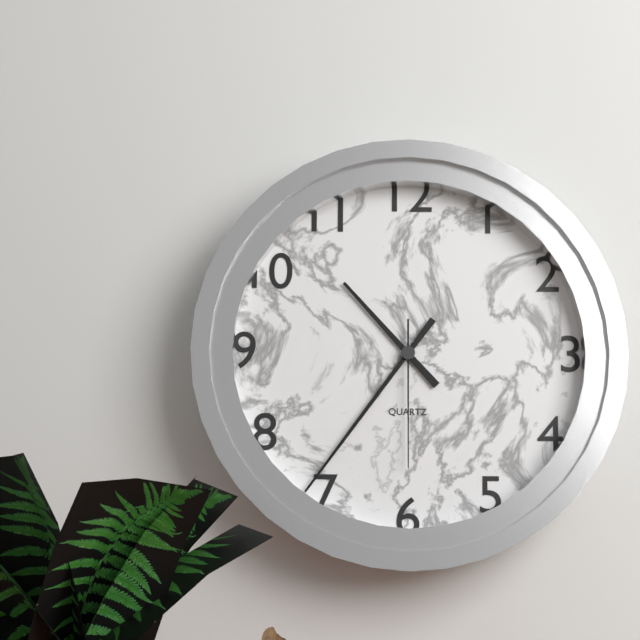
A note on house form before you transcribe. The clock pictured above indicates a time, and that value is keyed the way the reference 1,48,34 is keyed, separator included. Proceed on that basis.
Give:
10,36,30
